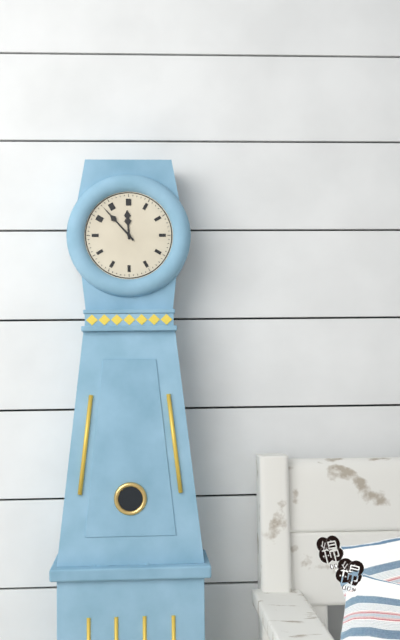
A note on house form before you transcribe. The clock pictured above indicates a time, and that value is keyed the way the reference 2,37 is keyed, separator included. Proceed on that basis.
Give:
11,53
